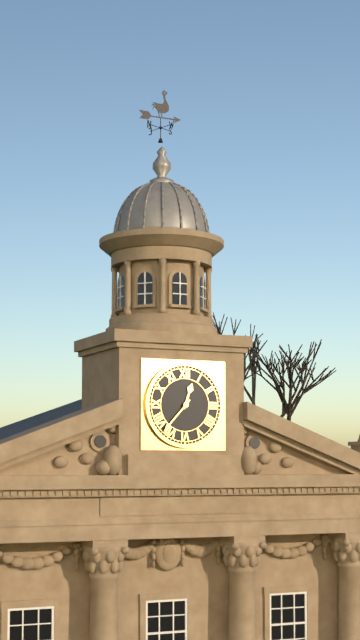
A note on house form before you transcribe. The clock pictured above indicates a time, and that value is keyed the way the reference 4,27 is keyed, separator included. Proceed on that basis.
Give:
12,37
